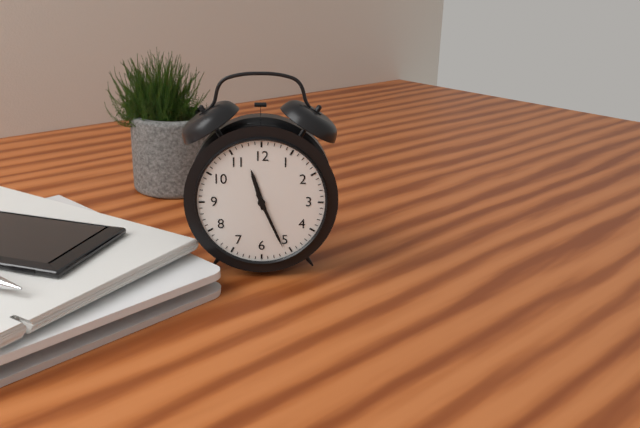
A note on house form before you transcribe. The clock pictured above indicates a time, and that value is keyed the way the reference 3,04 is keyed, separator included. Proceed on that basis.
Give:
11,26
